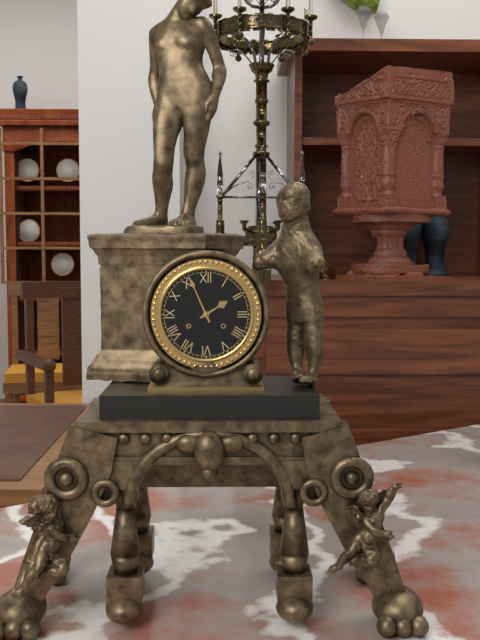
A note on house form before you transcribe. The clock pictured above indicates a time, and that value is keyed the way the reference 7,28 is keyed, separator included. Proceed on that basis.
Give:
1,56
